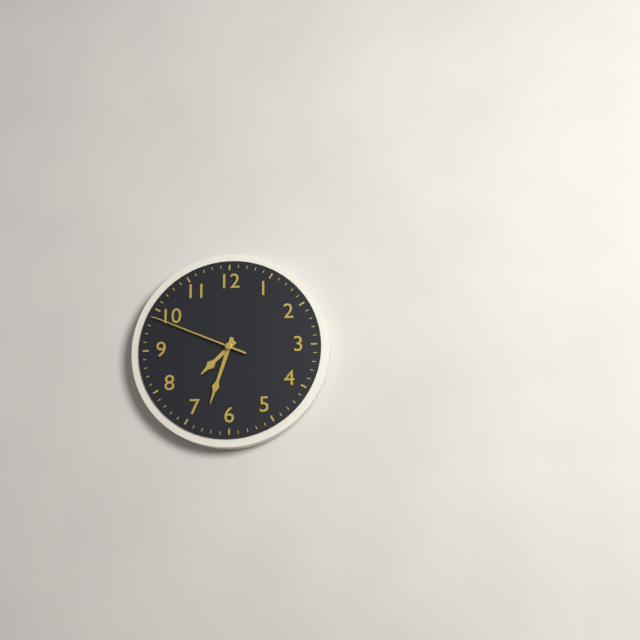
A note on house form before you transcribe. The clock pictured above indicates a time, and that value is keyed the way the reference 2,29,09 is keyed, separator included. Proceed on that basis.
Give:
7,33,49
